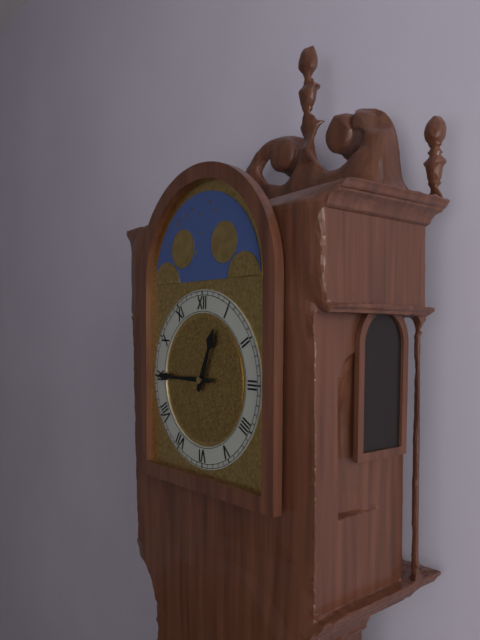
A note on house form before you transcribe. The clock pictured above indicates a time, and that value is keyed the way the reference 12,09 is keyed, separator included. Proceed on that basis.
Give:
12,45
